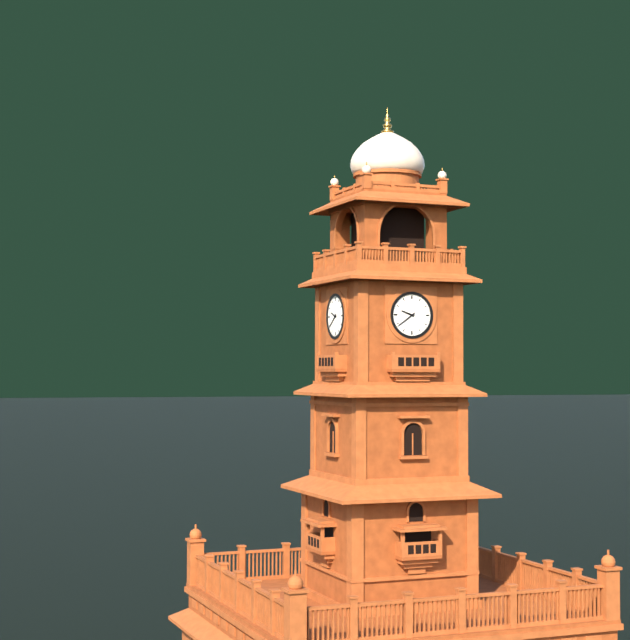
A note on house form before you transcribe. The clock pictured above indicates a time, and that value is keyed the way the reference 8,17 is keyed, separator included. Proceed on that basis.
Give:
9,39
